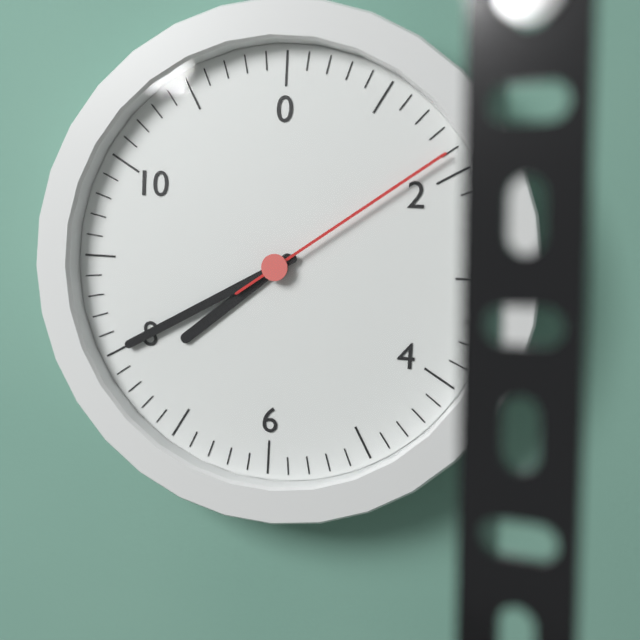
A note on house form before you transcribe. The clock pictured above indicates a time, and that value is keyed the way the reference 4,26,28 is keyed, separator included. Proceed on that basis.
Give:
7,40,09
